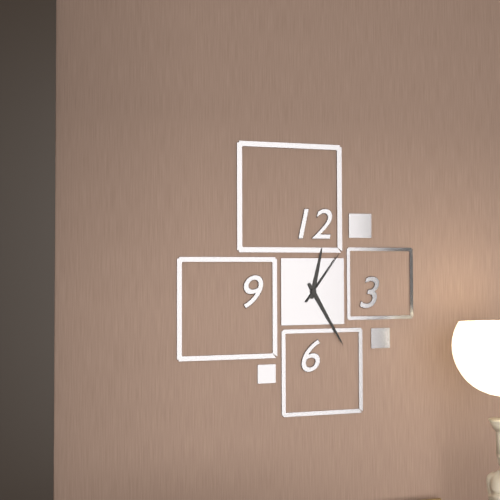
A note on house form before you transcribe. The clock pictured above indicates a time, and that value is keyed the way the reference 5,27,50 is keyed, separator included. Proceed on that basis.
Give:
12,25,06
